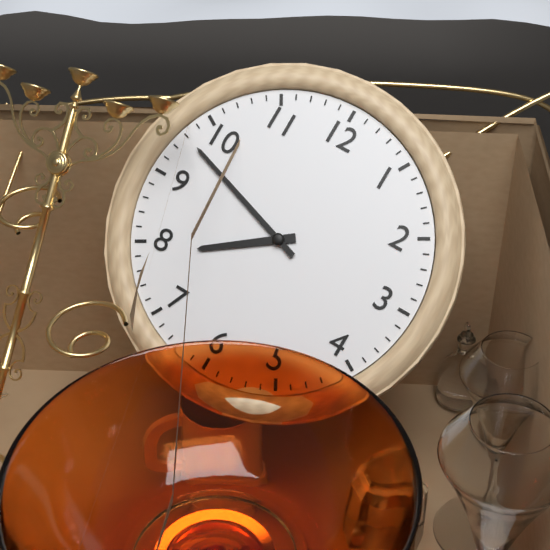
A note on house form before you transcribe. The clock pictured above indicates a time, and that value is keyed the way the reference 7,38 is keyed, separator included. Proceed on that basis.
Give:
7,48
